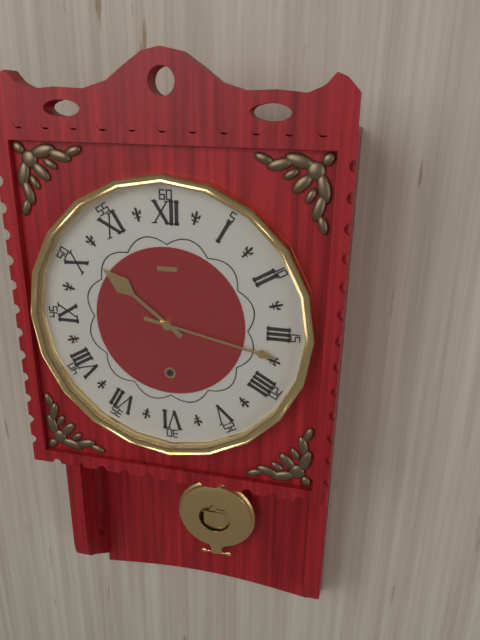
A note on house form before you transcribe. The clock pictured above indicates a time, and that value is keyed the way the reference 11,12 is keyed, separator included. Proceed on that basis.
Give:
10,17
